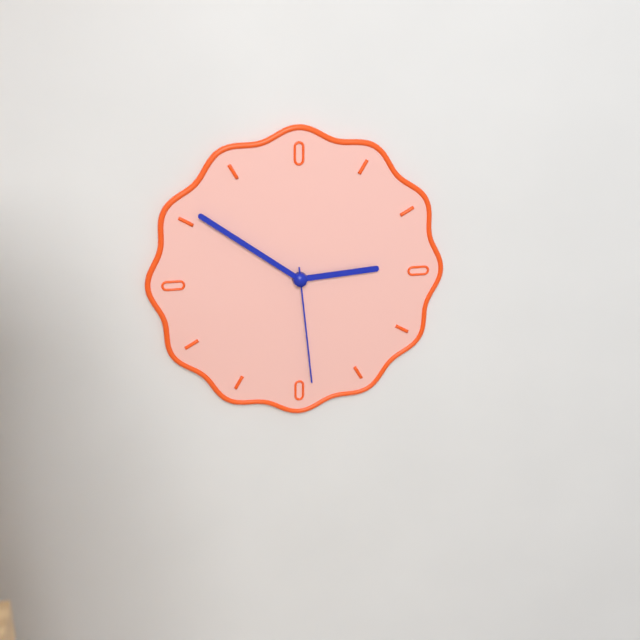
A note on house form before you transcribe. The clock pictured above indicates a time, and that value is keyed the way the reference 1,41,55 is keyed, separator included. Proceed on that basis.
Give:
2,51,29
